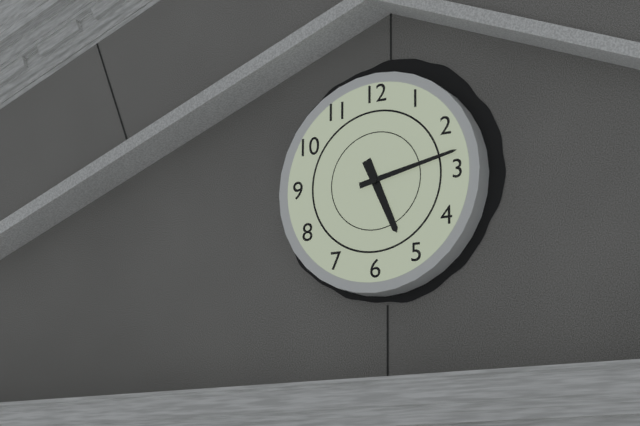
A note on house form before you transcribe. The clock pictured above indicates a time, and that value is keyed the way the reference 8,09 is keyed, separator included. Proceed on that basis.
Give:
5,13
